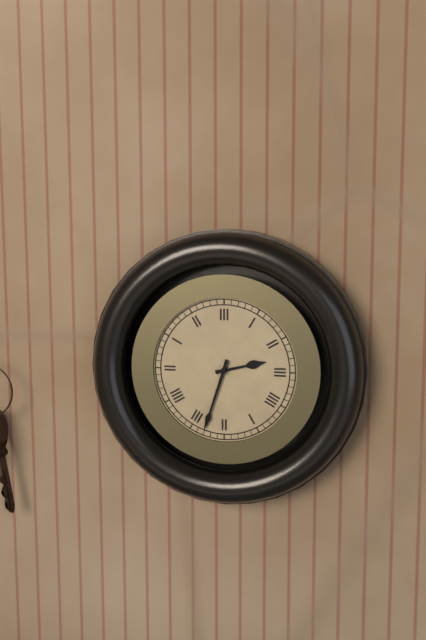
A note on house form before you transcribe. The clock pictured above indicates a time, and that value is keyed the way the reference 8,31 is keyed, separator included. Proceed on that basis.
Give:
2,33
